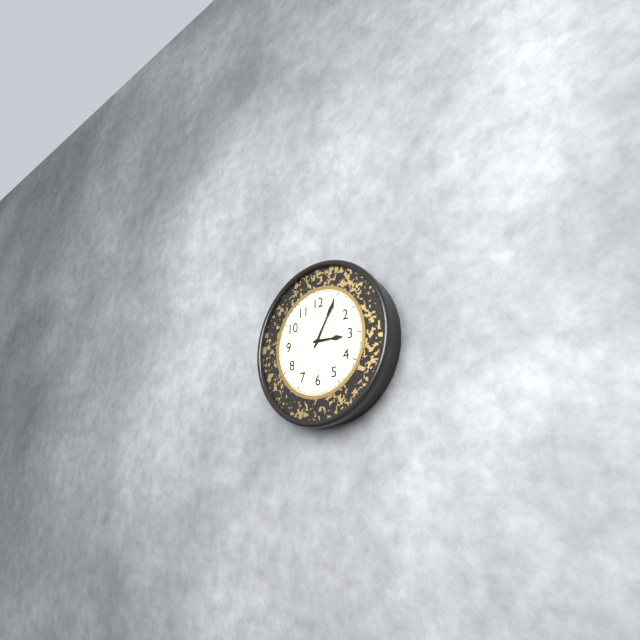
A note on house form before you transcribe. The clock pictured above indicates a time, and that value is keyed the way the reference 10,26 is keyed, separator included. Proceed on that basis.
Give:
3,05
